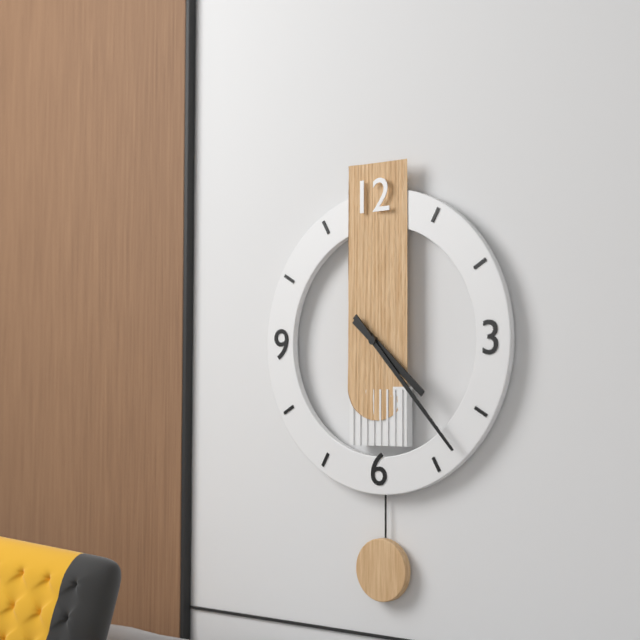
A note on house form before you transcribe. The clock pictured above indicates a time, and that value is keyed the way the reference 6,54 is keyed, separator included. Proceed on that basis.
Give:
4,23
